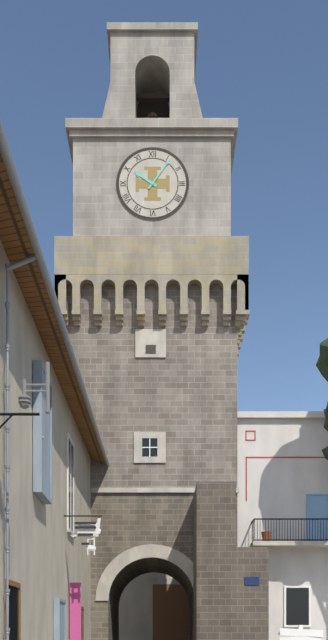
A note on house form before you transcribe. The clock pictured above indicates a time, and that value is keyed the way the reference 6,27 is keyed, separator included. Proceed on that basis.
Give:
10,06
